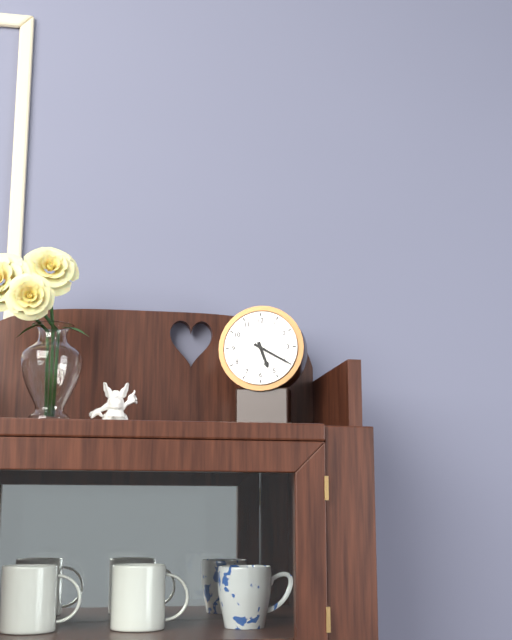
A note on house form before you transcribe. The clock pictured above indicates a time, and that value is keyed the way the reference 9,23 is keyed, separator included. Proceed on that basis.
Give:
5,20
